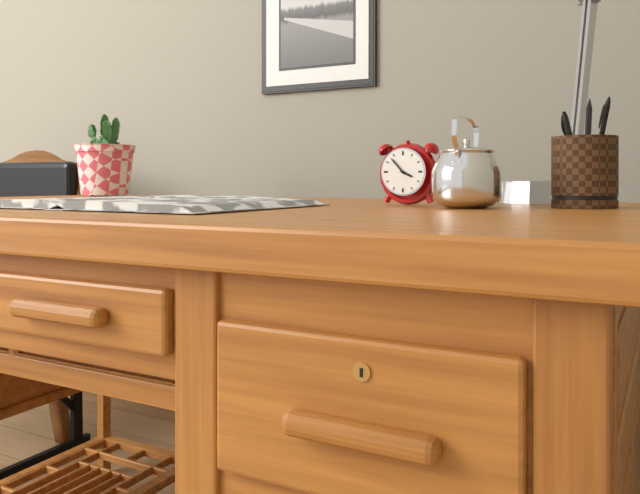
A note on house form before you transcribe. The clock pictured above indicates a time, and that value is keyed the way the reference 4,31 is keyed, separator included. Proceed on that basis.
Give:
3,53
